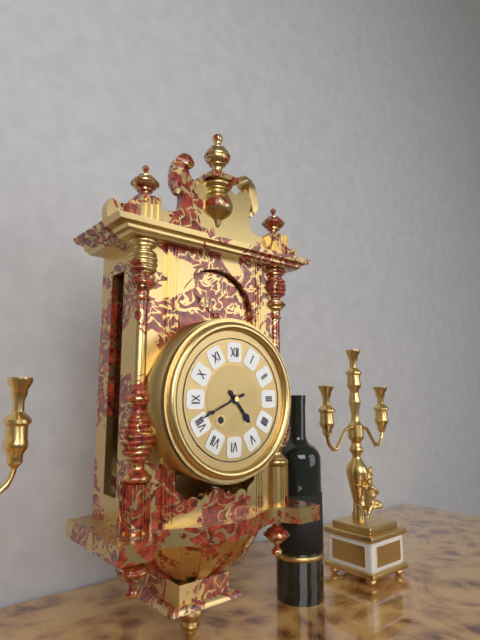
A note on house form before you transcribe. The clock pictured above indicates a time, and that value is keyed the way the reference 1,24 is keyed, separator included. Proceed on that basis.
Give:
4,41
